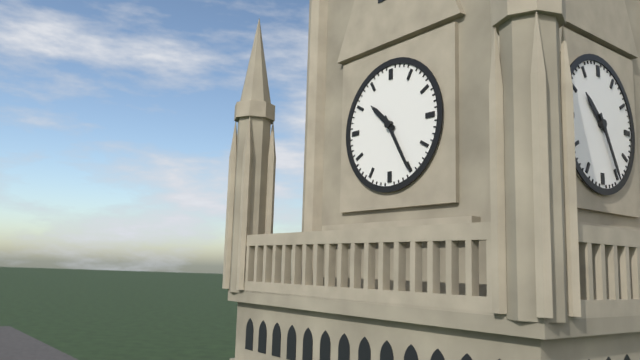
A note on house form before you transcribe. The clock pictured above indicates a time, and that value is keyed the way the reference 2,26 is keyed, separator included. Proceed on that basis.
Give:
10,25
